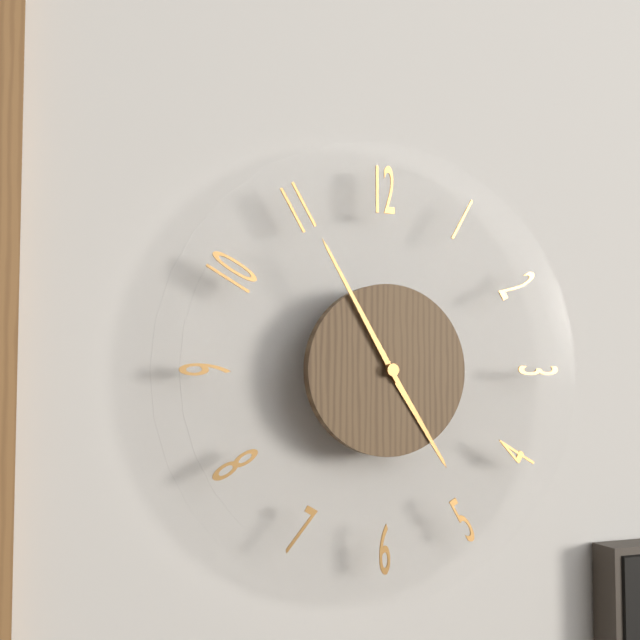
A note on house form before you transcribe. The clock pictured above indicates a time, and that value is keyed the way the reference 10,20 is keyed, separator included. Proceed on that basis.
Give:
4,55
